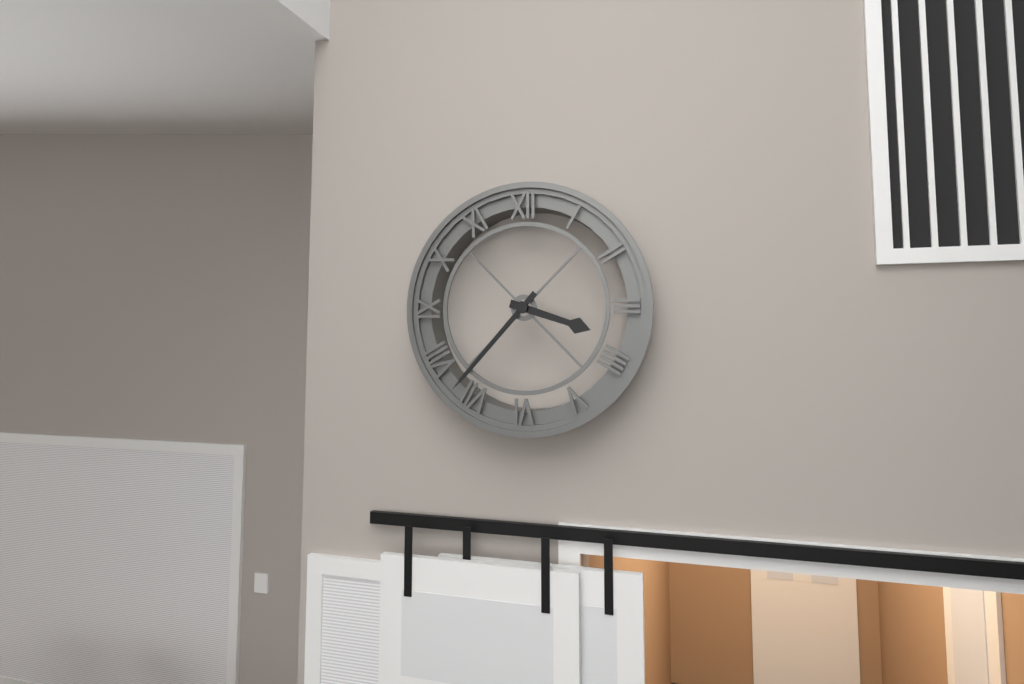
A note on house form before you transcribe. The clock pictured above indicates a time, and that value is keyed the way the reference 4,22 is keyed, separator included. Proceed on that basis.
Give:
3,37
